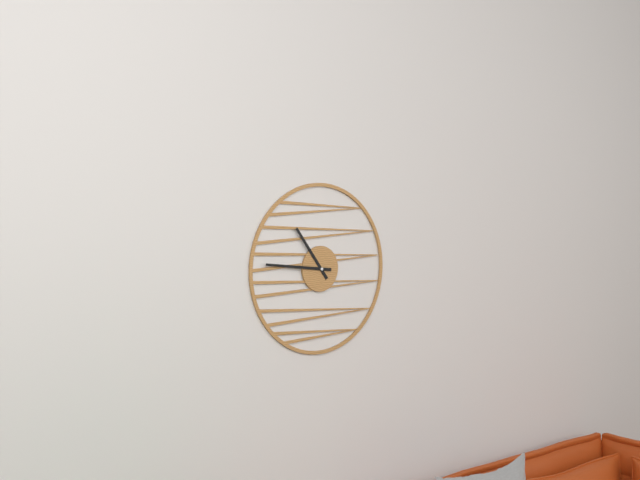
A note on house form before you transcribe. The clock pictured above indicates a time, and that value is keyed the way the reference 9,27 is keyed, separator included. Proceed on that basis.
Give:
10,46
